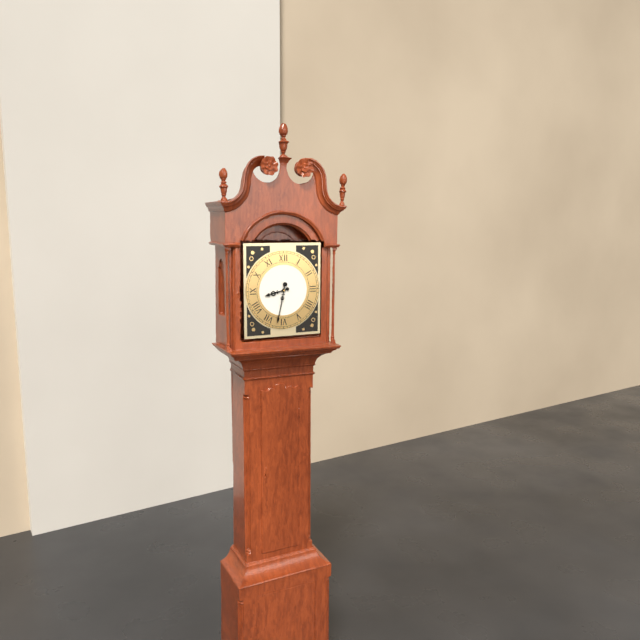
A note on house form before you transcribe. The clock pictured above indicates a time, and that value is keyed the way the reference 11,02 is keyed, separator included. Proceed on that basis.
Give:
8,32
